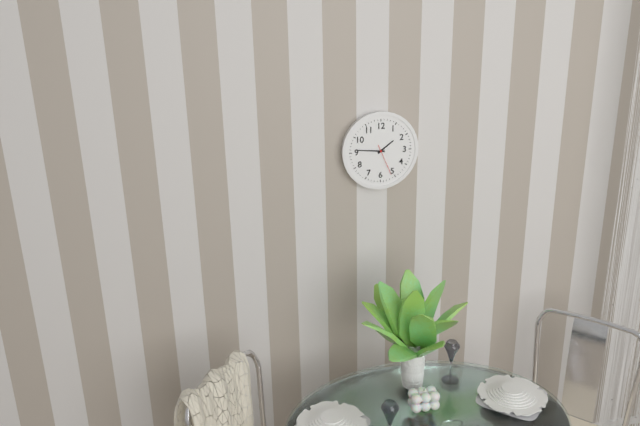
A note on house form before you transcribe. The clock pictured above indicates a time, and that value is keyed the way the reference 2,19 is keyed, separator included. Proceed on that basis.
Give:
1,46
